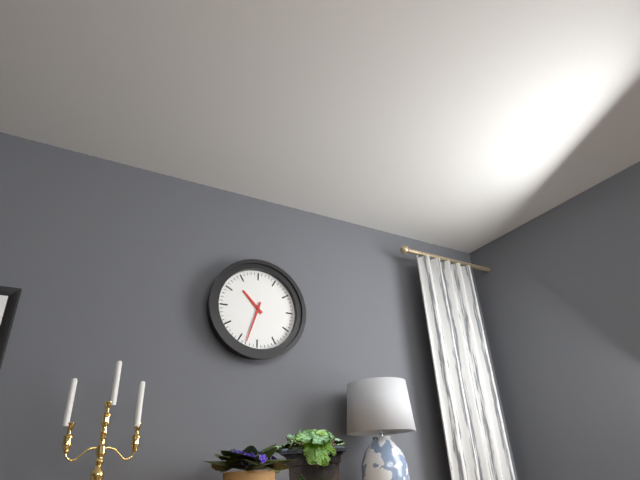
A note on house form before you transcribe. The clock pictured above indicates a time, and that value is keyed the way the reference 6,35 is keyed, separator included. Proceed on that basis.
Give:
10,33
